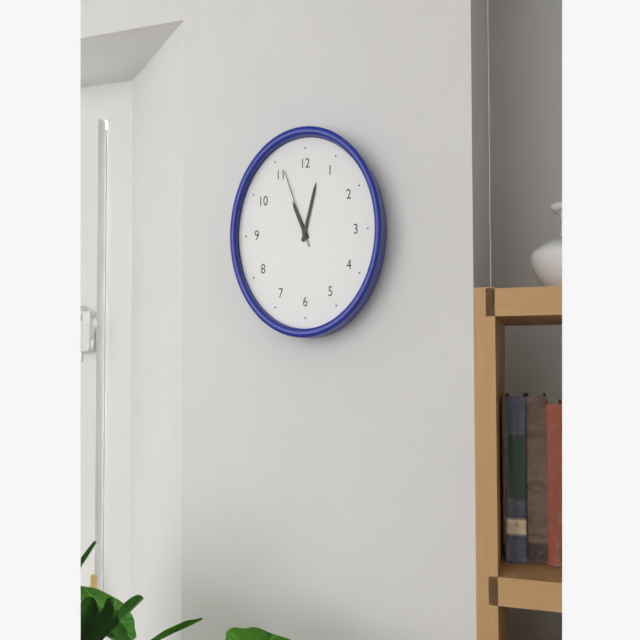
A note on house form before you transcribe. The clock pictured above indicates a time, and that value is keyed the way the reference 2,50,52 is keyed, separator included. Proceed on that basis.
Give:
11,03,56
